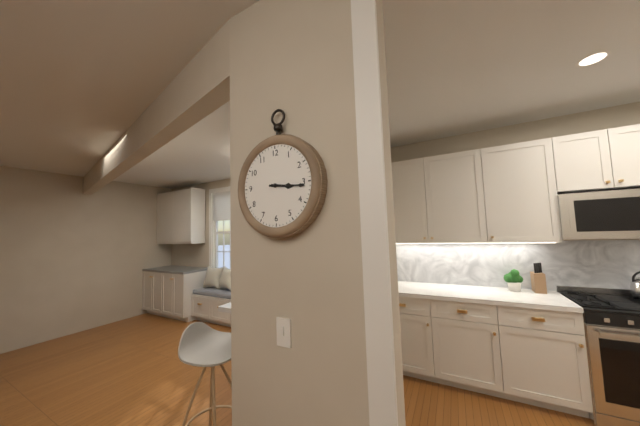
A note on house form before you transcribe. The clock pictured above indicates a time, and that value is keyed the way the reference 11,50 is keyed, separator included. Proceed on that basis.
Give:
3,16
